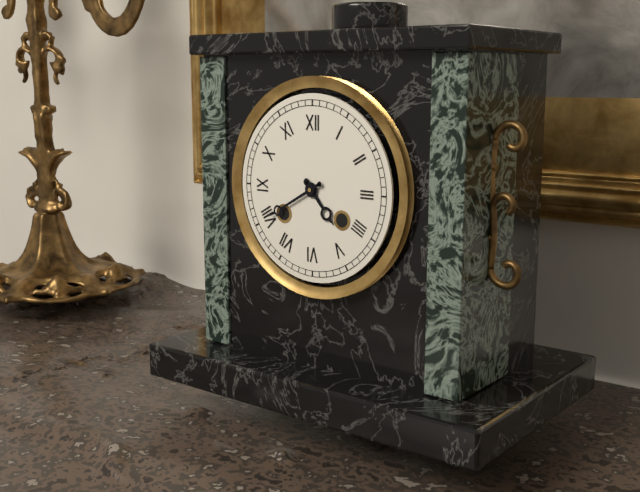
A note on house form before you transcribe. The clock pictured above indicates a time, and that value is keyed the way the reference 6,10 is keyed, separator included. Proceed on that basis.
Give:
4,40
